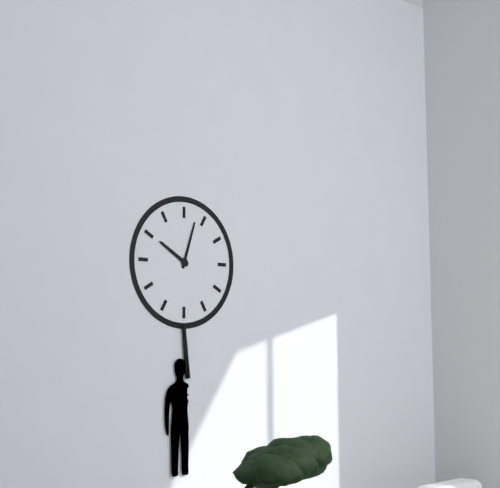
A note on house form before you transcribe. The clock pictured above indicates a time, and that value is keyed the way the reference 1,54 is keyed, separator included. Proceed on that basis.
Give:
10,03
